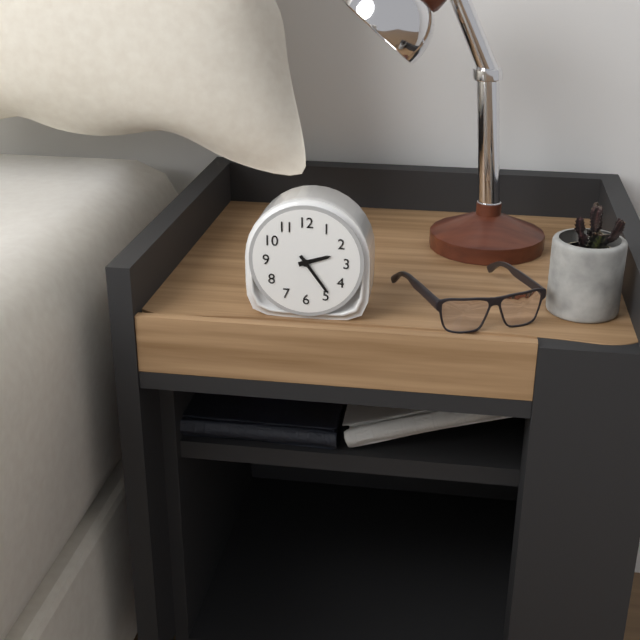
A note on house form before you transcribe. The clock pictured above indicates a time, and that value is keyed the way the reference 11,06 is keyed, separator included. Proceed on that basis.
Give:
2,24
